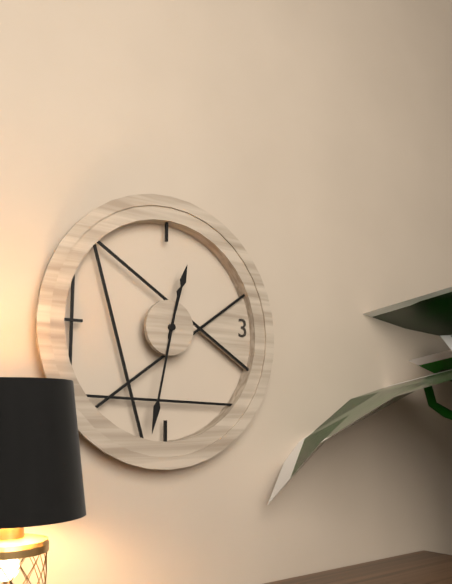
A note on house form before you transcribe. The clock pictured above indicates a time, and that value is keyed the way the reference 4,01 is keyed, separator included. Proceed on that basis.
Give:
12,32
